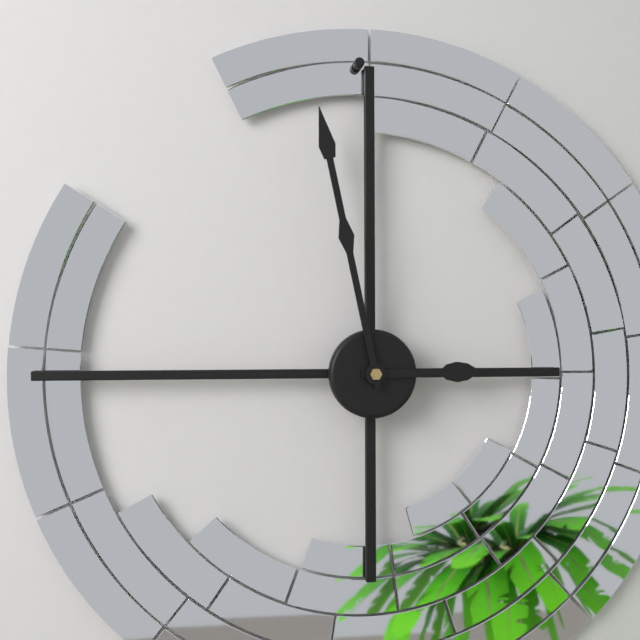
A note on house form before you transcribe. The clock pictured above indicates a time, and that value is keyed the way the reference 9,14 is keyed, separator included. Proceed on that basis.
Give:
2,58
